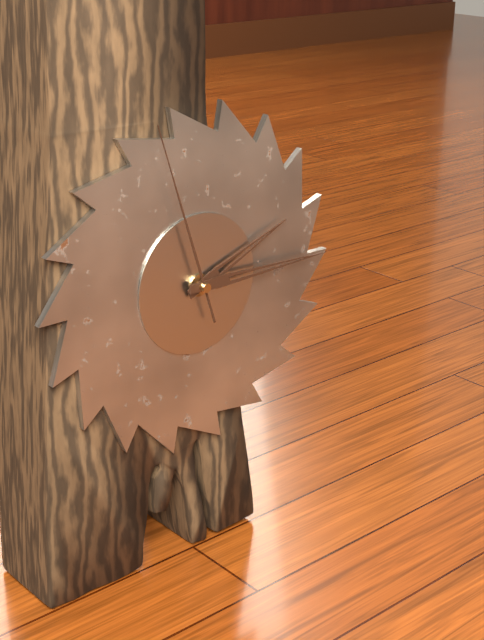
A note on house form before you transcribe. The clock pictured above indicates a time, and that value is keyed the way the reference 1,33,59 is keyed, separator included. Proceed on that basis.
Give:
2,15,57
